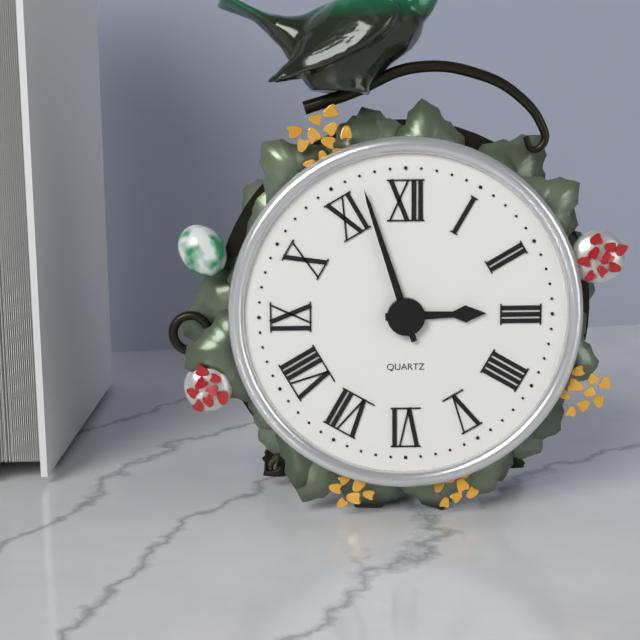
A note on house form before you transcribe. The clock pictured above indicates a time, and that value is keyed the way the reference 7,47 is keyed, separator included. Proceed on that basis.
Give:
2,57
